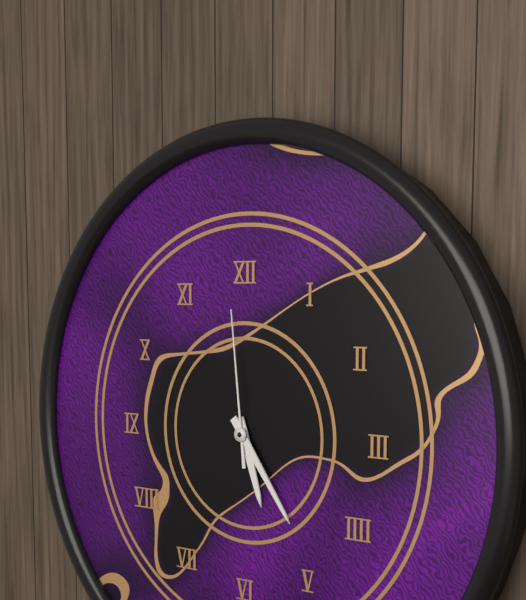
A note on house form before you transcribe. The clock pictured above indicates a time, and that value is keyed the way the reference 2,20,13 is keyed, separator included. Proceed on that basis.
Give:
5,24,59
